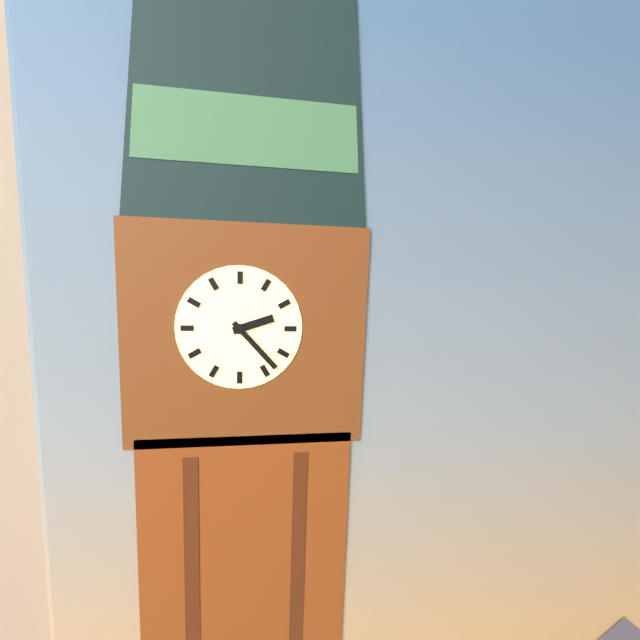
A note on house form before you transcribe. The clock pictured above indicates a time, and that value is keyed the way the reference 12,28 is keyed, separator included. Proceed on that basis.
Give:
2,23
